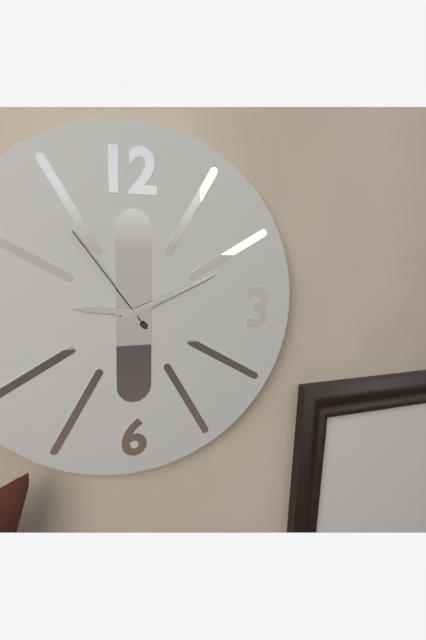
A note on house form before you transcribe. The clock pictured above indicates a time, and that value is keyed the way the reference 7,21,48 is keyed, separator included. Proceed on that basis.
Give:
9,11,54
